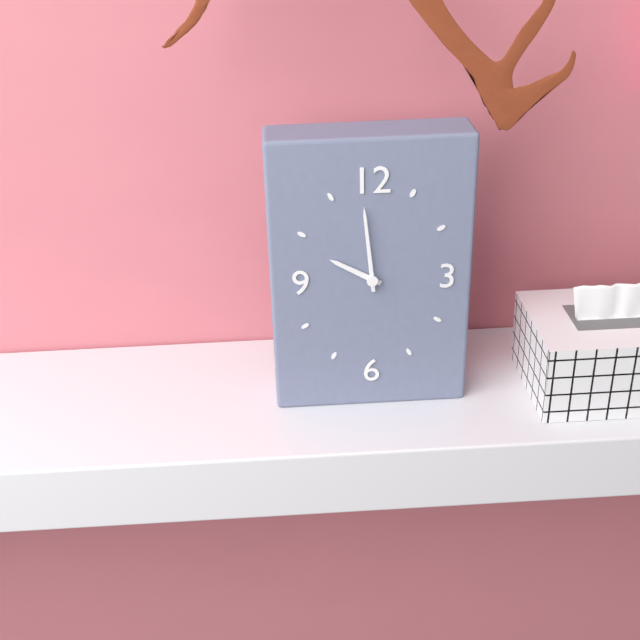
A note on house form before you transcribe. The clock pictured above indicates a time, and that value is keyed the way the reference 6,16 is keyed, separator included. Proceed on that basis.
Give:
9,59
